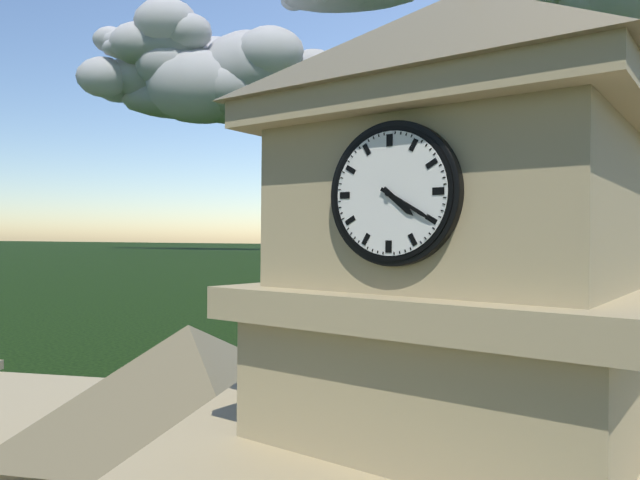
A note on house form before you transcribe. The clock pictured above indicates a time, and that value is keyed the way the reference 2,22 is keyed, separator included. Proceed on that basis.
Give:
4,20
